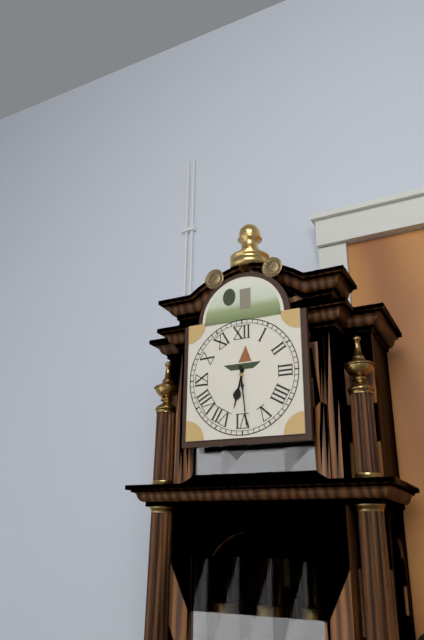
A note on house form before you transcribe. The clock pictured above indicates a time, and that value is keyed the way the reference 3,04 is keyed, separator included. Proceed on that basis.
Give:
6,29
